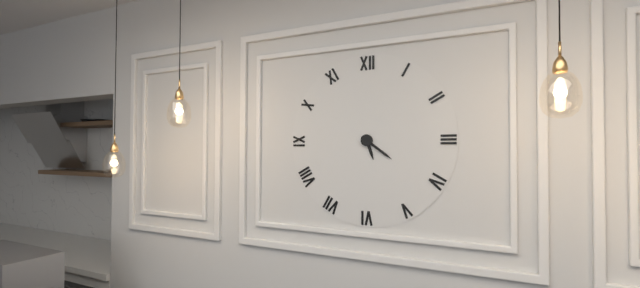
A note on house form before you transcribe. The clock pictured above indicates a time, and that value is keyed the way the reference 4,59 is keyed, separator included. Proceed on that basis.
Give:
5,21
